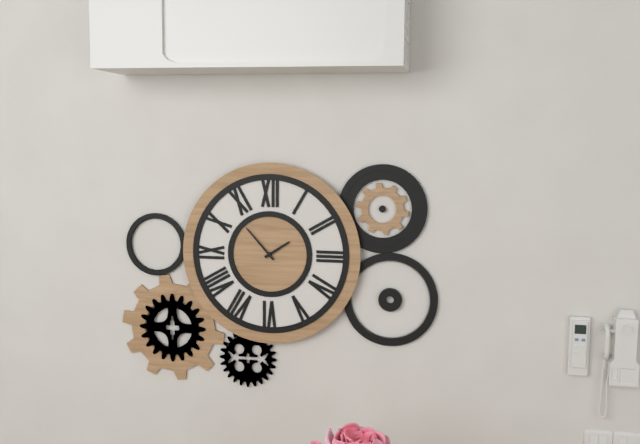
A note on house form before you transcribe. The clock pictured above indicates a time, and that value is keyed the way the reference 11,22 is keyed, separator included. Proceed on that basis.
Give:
1,53
